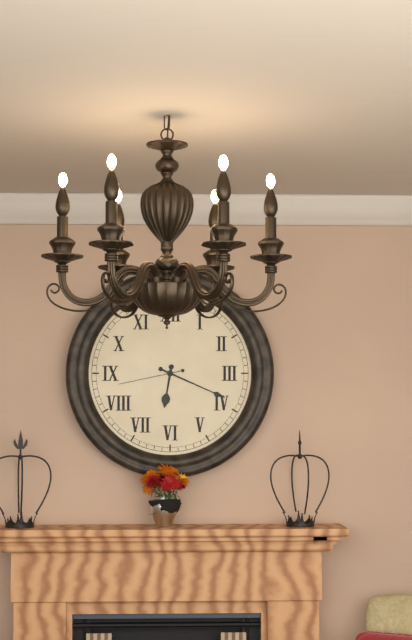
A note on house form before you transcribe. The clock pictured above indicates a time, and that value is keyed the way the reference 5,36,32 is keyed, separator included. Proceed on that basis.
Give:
6,19,43
